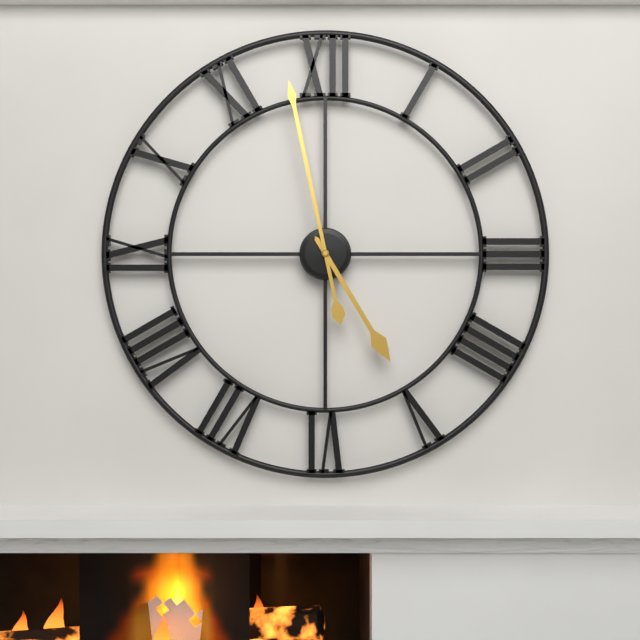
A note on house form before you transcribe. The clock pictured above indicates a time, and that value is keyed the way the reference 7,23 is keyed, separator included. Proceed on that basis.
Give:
4,58
